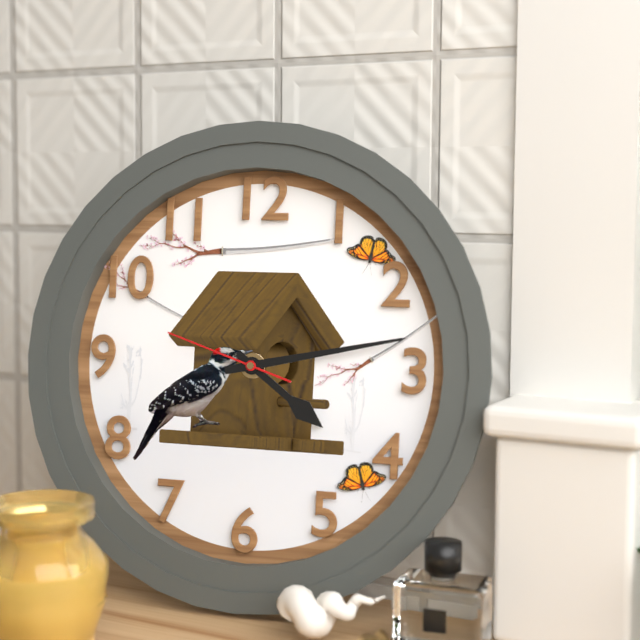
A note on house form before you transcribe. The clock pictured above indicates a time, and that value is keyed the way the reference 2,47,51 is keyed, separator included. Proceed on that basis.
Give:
4,13,48
